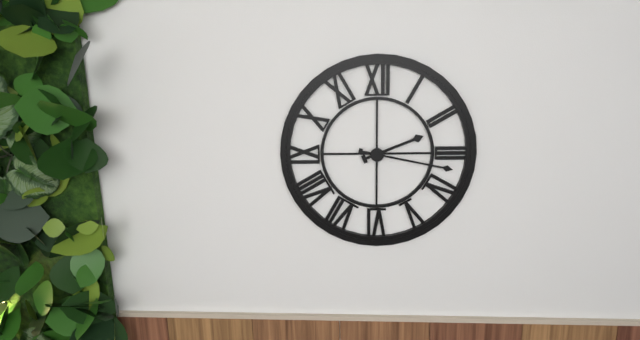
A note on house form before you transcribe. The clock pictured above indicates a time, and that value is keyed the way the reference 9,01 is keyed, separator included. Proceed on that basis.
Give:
2,17
